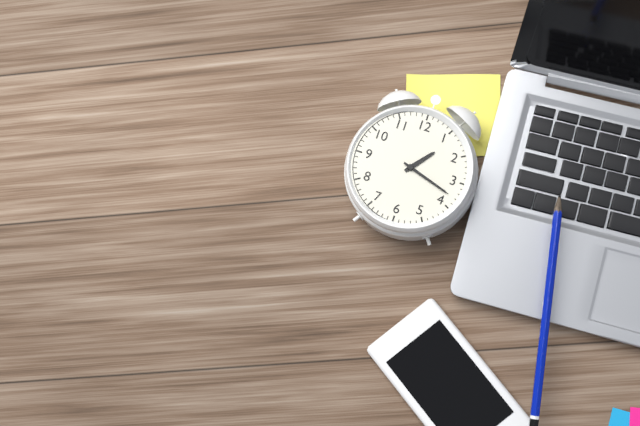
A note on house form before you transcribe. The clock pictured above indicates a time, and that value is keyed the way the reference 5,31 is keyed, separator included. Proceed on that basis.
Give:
1,18
